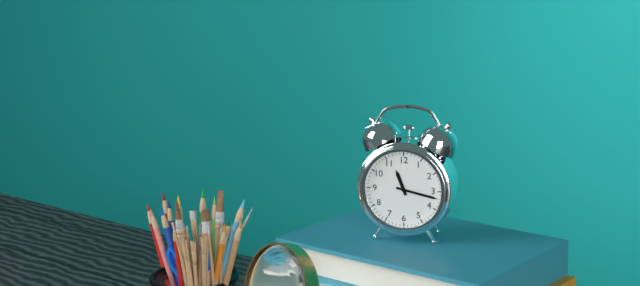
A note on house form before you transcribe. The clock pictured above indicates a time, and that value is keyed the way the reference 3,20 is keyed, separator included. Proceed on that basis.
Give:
11,17
